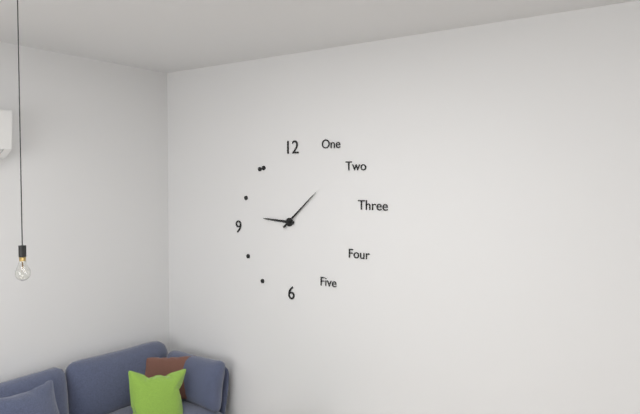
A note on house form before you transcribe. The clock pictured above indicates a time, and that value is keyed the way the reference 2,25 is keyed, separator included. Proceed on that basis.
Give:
9,08
